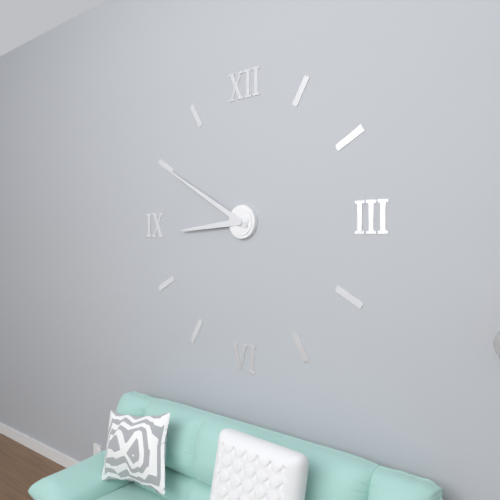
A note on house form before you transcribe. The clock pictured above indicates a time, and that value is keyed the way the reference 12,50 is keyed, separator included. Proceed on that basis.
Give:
8,50
